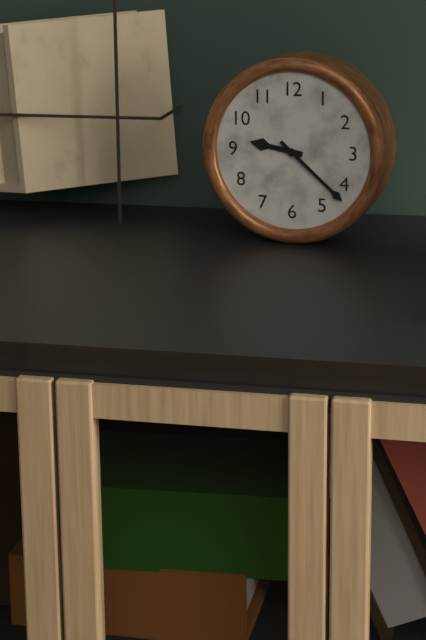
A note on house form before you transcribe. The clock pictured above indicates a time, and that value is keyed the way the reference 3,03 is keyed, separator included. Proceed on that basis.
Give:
9,22
